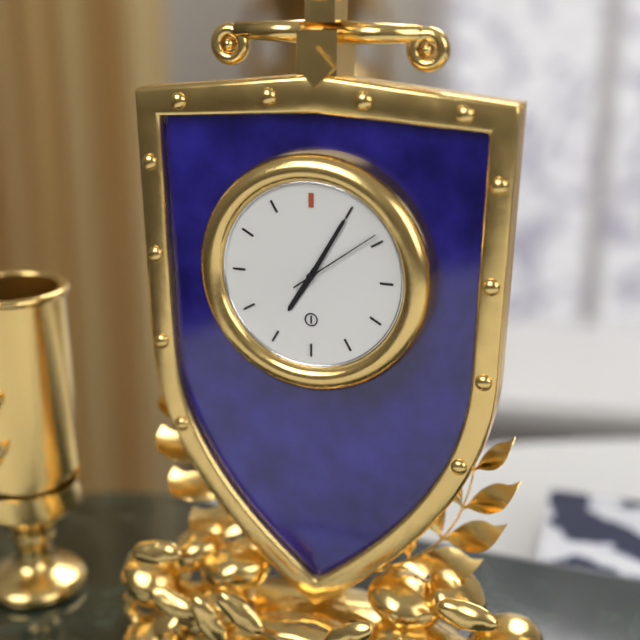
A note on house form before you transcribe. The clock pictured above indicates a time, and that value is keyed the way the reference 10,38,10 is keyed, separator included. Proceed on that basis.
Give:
7,05,09
